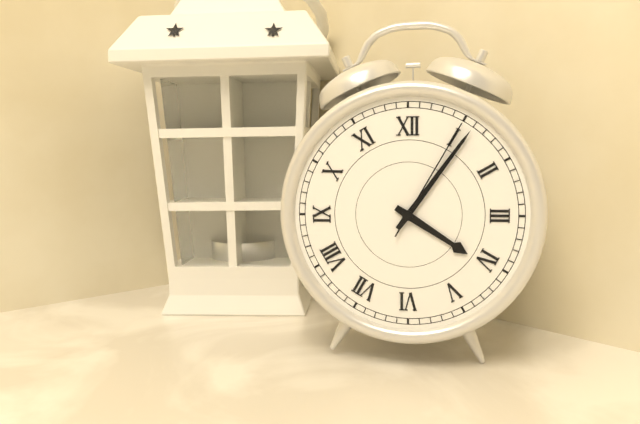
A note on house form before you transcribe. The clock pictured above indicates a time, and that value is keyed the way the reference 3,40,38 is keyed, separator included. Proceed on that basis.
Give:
4,06,05
